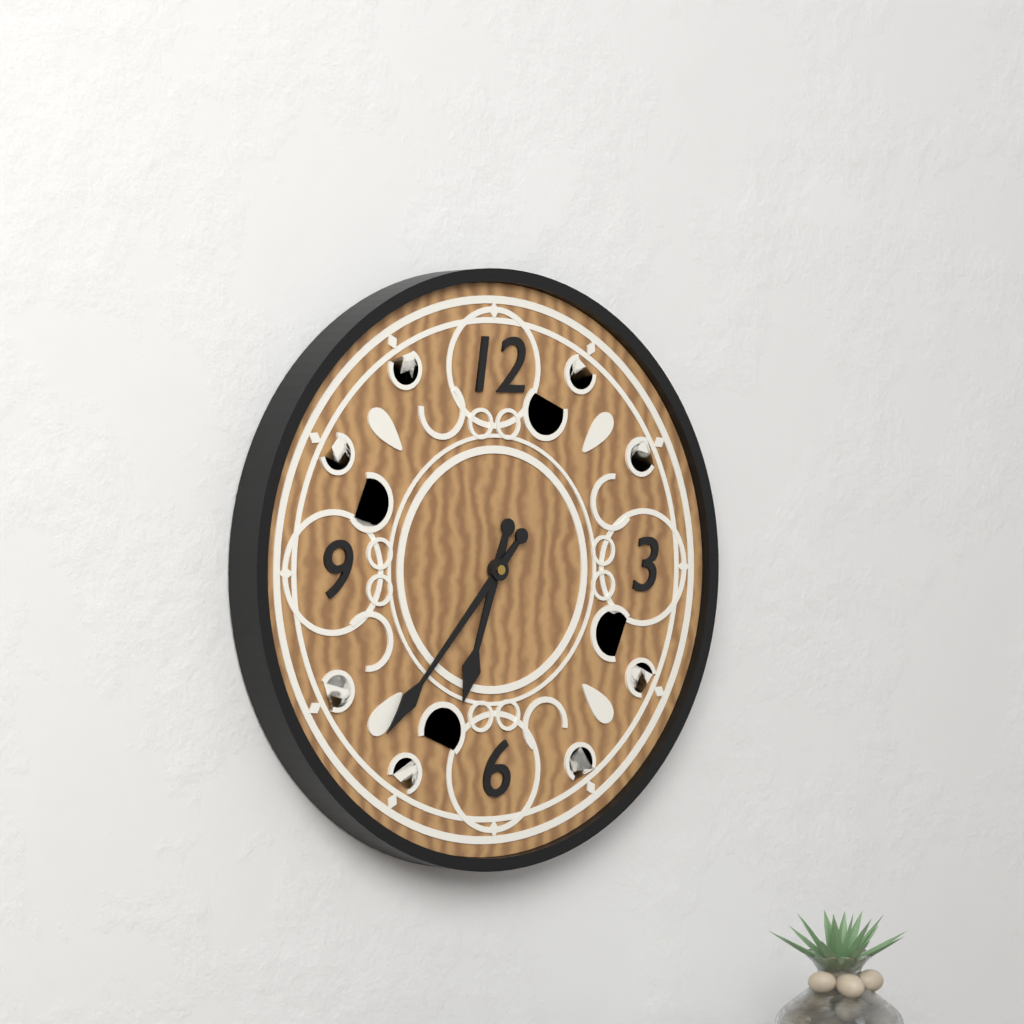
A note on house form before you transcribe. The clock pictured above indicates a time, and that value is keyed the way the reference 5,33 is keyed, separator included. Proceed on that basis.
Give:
6,37
